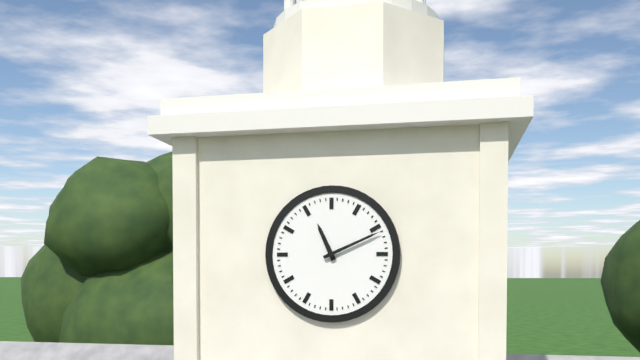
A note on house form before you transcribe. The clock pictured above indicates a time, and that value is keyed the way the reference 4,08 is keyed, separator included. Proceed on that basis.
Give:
11,11
